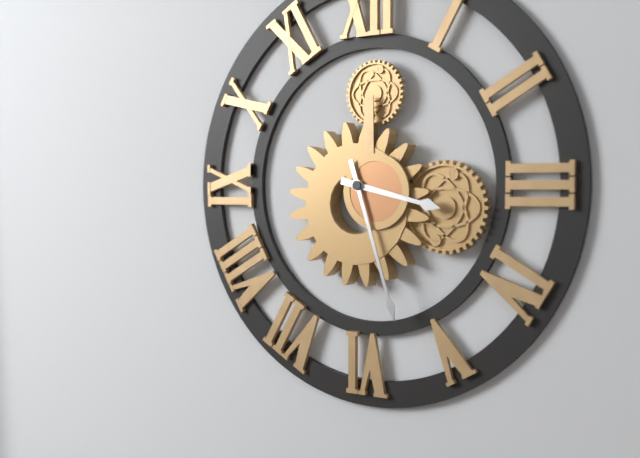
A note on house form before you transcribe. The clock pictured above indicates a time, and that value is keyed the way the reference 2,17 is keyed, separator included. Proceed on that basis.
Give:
3,27
